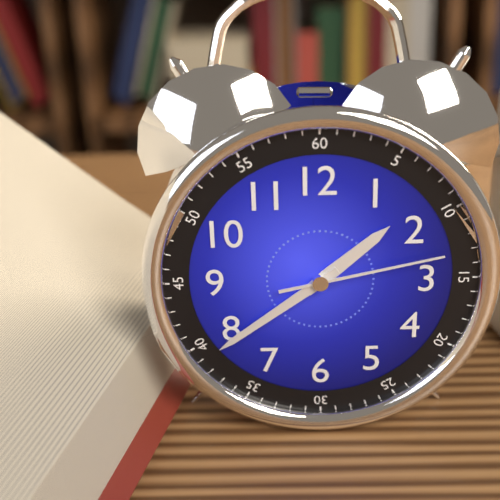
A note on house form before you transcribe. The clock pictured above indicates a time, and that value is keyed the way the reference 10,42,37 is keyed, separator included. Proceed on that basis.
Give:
1,39,13
